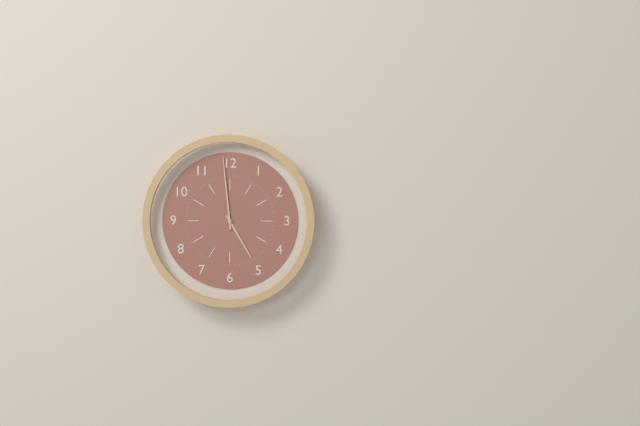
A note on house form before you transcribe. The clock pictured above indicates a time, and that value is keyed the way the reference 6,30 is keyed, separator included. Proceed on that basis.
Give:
4,59
